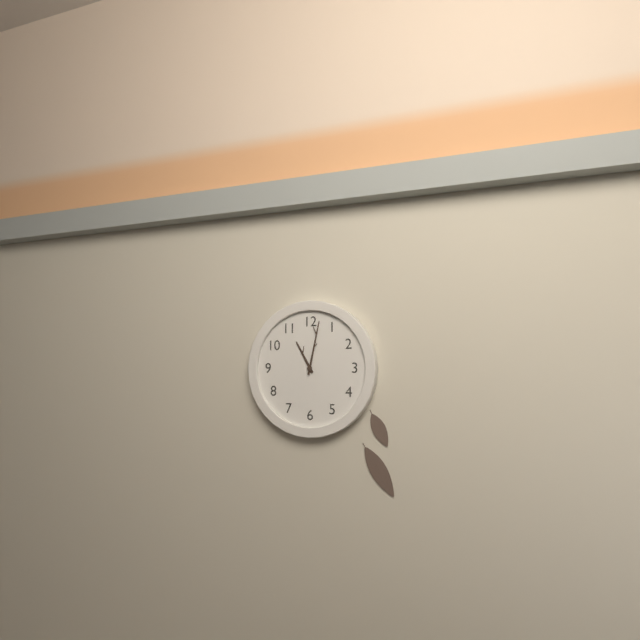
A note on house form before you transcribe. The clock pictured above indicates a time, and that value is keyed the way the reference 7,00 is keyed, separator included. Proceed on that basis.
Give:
11,02
